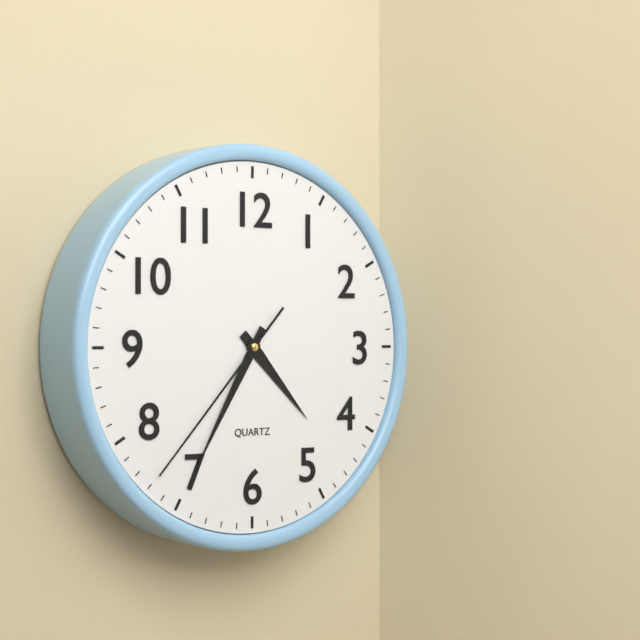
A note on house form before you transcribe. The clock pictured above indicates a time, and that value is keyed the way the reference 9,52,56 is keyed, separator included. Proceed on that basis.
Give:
4,35,37
